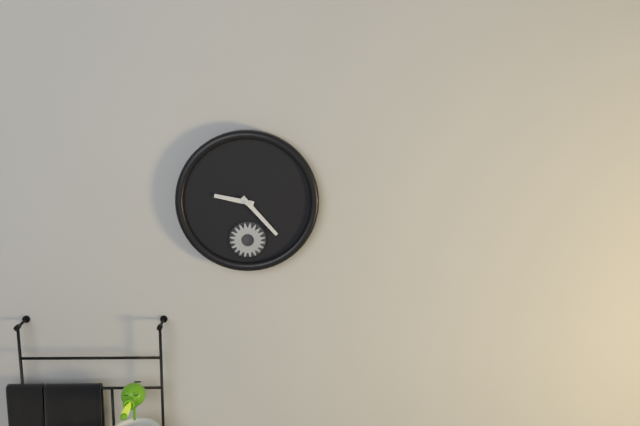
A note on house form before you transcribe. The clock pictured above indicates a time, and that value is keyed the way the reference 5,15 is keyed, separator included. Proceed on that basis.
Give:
9,23
